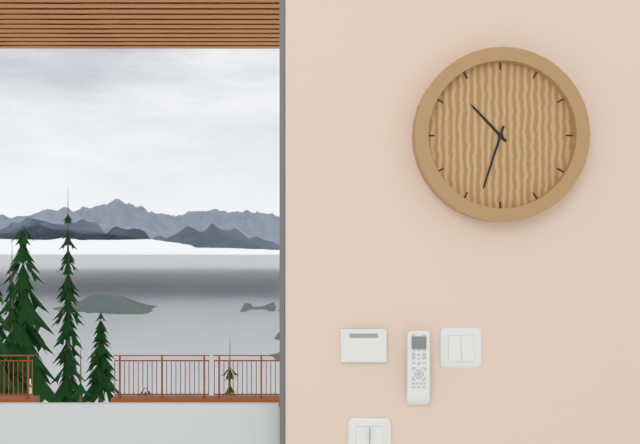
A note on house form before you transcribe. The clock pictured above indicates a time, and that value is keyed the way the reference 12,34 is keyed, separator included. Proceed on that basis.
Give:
10,33
